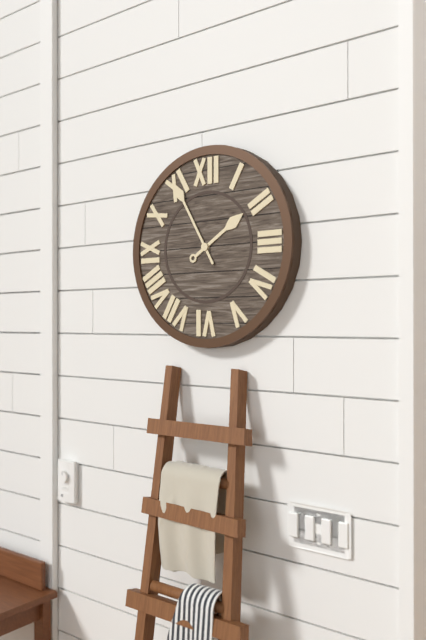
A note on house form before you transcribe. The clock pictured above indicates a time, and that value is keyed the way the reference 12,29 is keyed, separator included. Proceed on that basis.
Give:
1,55
